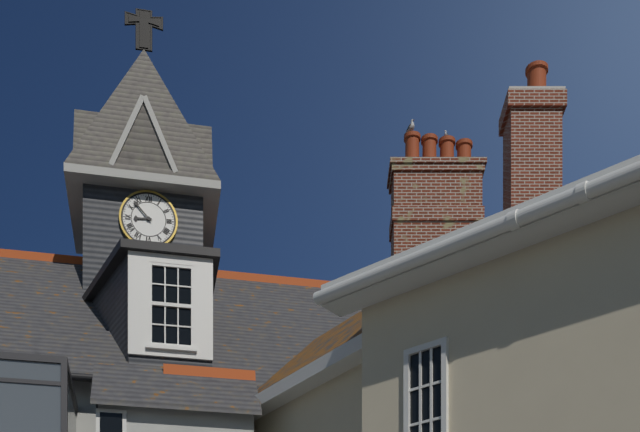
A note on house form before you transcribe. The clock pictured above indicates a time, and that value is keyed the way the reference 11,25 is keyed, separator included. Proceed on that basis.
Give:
8,53
